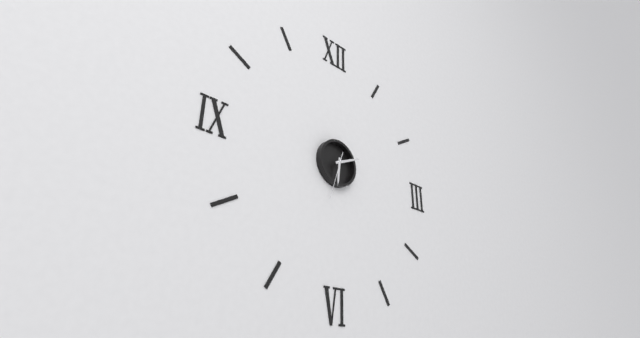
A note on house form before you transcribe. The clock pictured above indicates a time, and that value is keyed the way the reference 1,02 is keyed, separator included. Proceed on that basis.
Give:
6,11
